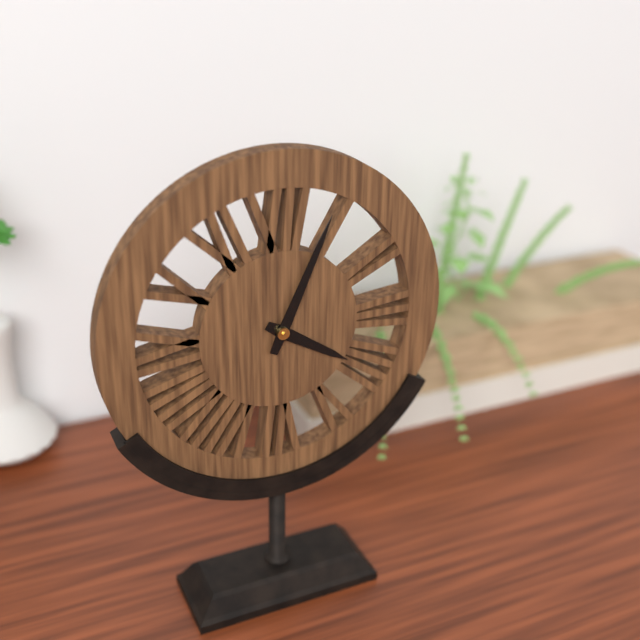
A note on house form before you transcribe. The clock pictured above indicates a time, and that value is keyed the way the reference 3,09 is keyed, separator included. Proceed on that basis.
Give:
4,04
